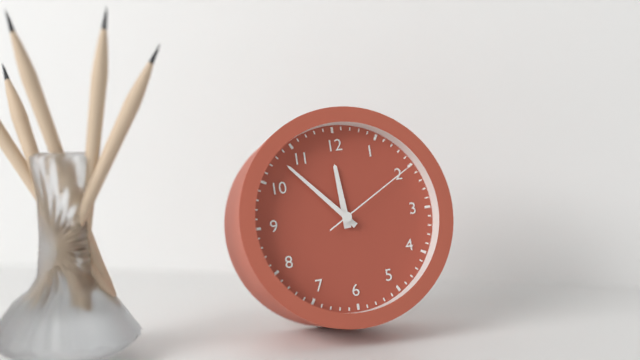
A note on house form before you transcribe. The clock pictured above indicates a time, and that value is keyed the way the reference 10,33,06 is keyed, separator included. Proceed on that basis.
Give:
11,53,10
